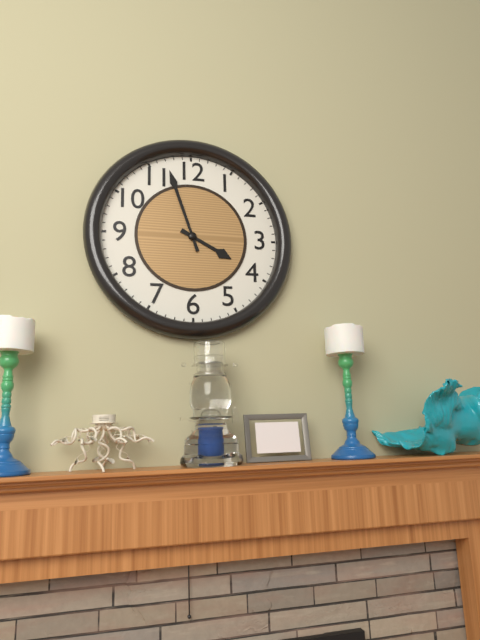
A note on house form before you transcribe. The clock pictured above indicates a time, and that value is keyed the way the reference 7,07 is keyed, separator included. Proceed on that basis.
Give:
3,57
